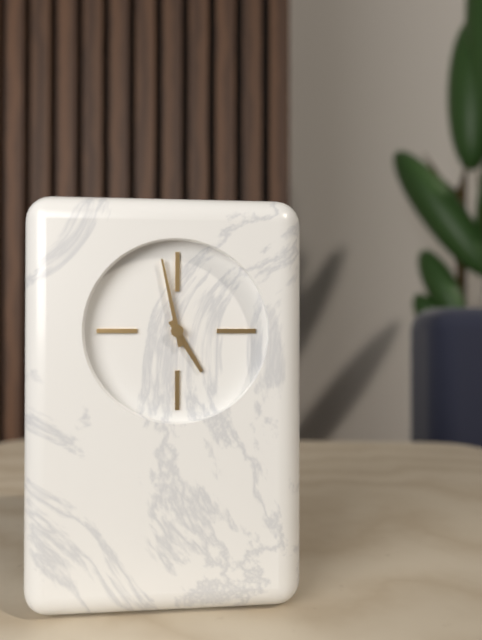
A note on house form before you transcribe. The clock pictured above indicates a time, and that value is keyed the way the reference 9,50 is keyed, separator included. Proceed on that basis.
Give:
4,58
